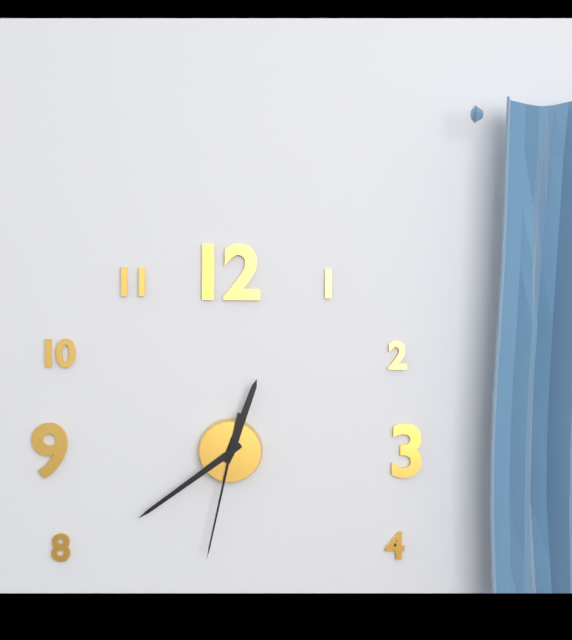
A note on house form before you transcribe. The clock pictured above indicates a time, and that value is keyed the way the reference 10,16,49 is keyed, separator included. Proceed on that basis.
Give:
12,39,32
